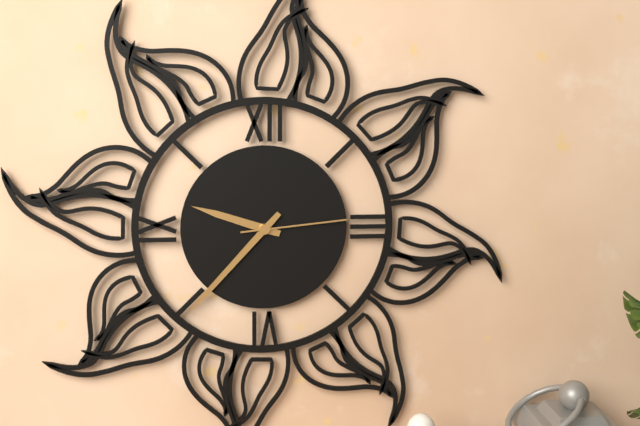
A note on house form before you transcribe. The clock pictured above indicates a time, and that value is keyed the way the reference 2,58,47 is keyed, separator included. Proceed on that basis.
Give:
9,37,14
